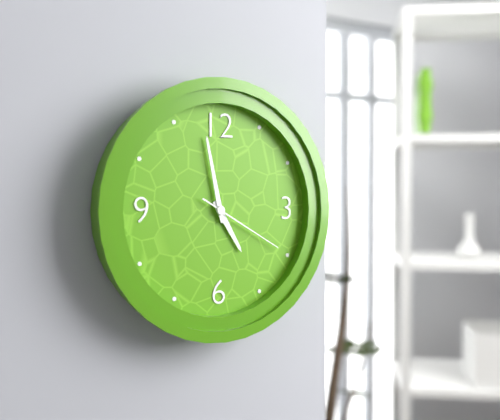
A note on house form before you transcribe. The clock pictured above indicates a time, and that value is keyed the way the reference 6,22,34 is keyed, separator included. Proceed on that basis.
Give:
4,58,20
